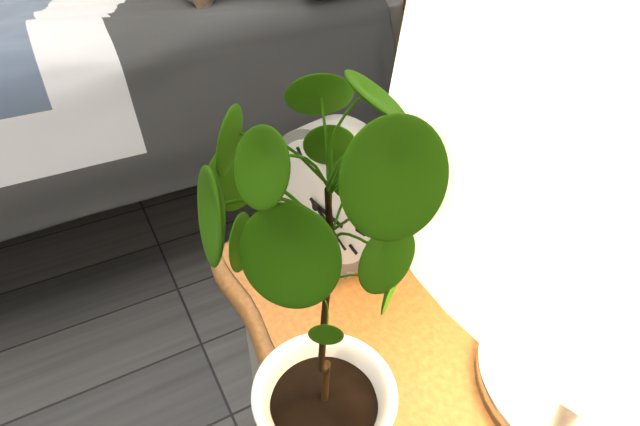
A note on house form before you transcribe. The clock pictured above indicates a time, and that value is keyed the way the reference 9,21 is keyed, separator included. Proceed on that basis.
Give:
3,21
